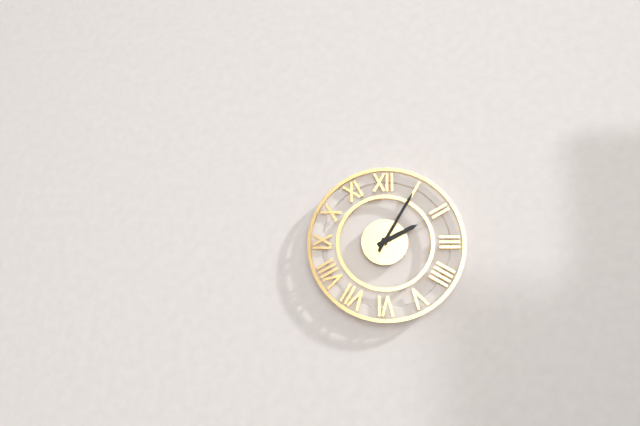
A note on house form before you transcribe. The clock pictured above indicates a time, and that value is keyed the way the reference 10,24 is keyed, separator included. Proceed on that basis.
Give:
2,05
